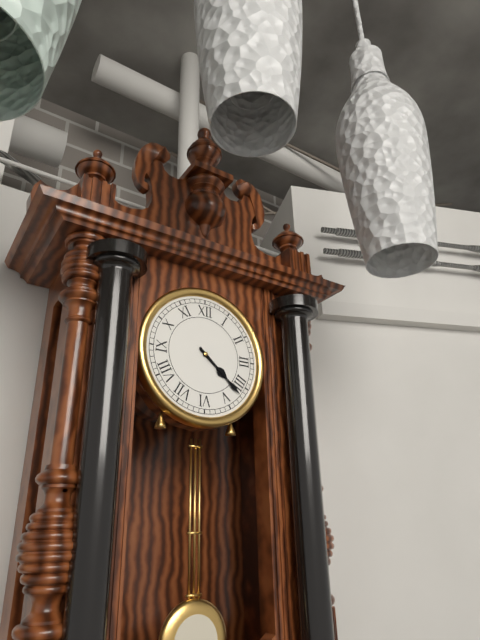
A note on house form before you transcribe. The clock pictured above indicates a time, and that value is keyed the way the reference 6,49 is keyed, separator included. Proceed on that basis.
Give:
4,22
